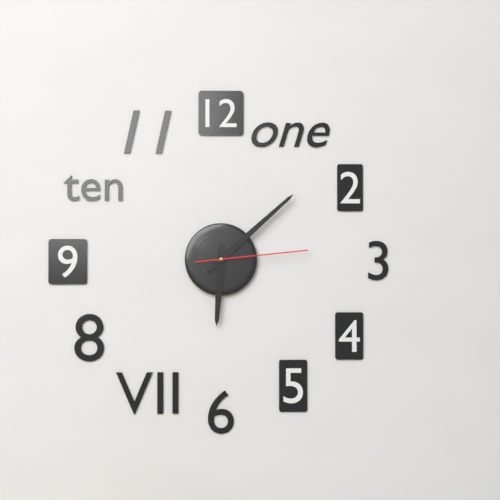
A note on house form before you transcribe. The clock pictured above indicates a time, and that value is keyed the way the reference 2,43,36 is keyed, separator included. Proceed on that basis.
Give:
6,08,14
